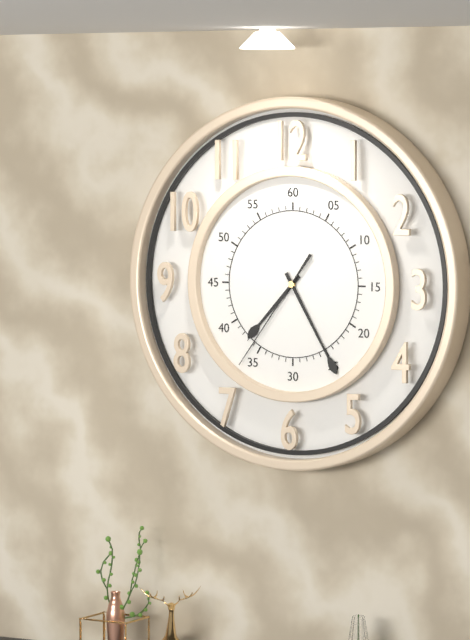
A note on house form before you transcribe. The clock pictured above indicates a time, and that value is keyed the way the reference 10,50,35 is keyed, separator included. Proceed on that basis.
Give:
7,25,36
